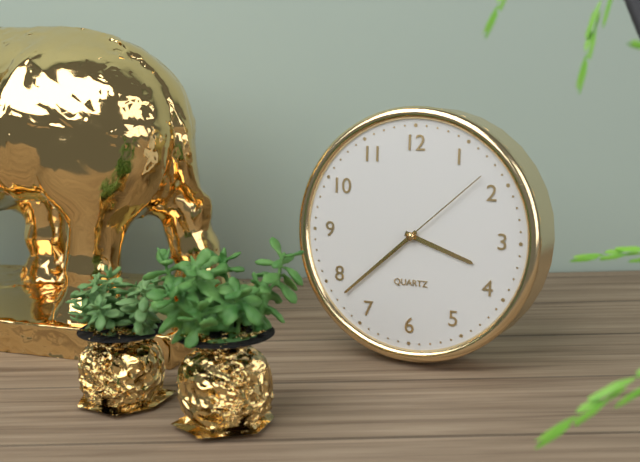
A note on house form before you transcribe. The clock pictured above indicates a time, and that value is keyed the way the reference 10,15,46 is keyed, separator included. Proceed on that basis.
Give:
3,38,08
